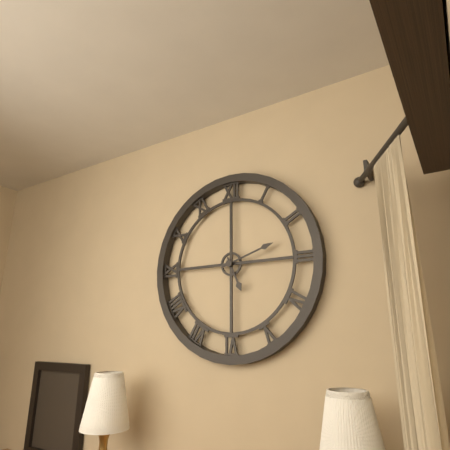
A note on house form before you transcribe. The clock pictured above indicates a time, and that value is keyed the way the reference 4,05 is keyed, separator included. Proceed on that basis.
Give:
5,12
